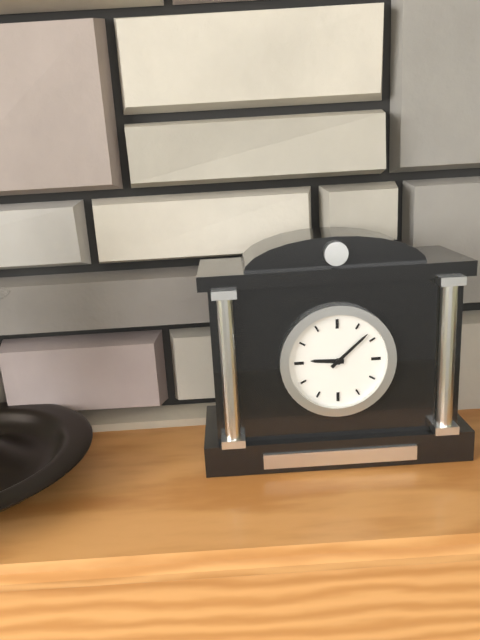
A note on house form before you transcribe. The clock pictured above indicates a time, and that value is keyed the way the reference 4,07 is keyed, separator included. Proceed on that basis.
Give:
9,08
